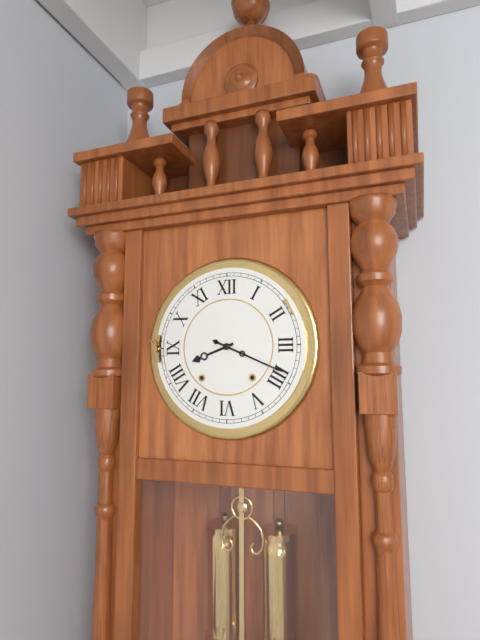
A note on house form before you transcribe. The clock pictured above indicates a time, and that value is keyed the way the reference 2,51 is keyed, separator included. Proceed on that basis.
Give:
8,19
